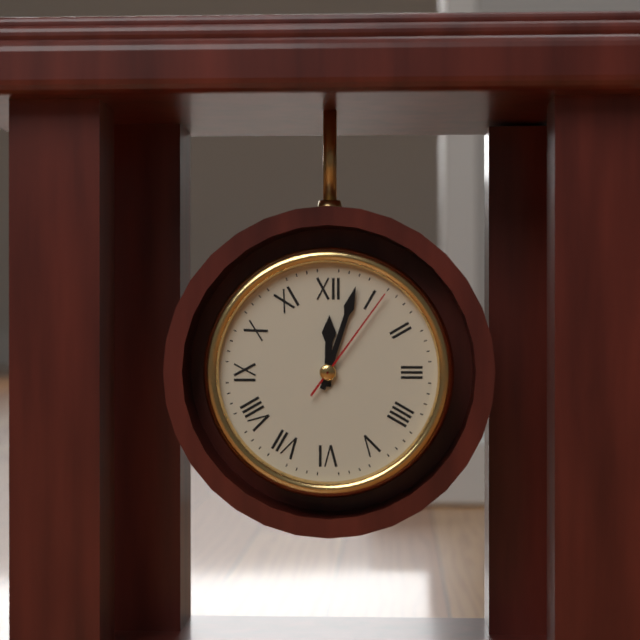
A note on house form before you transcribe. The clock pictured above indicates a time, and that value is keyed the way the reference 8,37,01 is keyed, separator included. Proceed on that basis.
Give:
12,03,06
